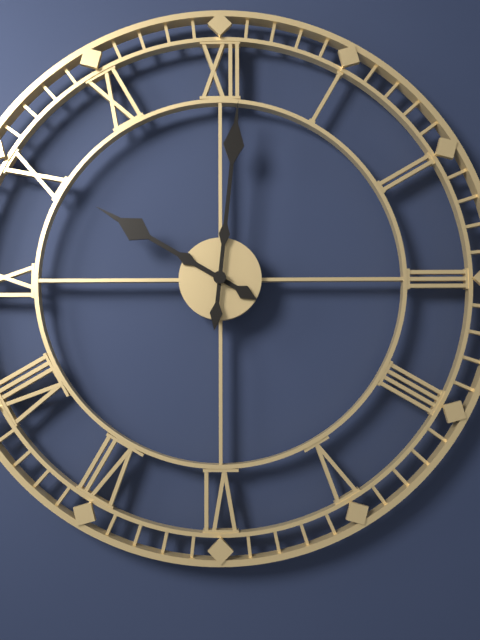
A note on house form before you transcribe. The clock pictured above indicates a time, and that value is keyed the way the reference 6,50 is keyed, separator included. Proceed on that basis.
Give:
10,01
